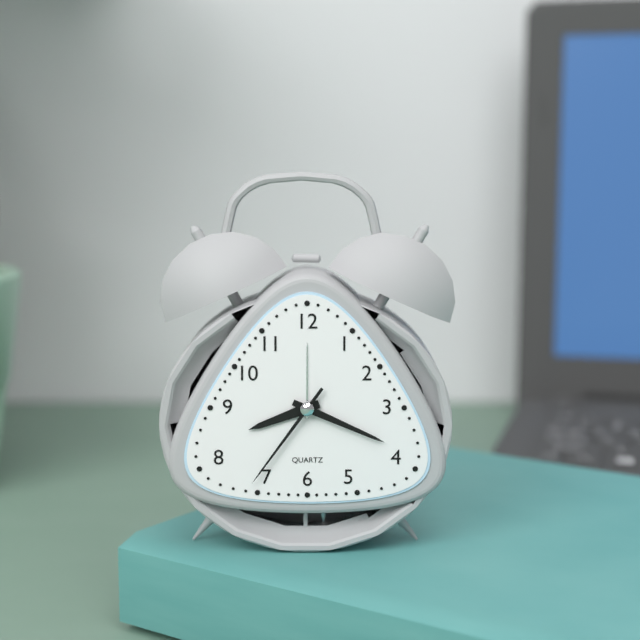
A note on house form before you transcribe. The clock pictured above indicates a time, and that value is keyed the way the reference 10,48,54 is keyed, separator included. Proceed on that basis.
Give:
8,19,36
